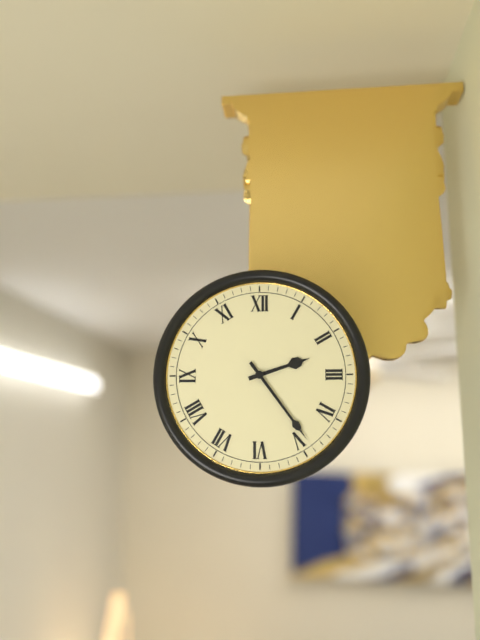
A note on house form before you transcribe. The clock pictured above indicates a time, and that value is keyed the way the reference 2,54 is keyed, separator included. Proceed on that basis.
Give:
2,24
